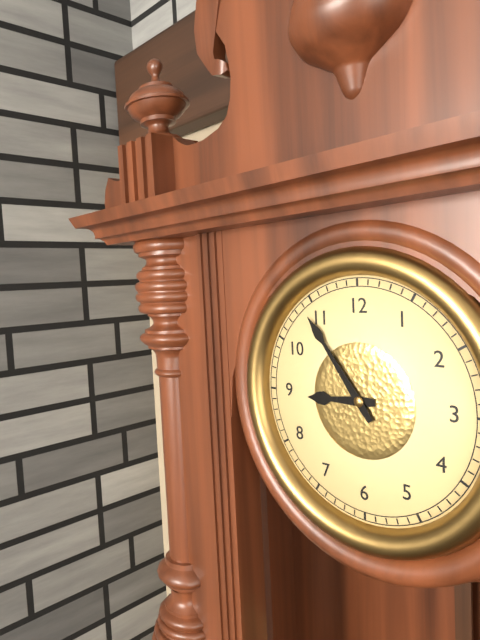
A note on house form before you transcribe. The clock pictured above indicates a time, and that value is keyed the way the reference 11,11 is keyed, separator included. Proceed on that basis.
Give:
8,54
